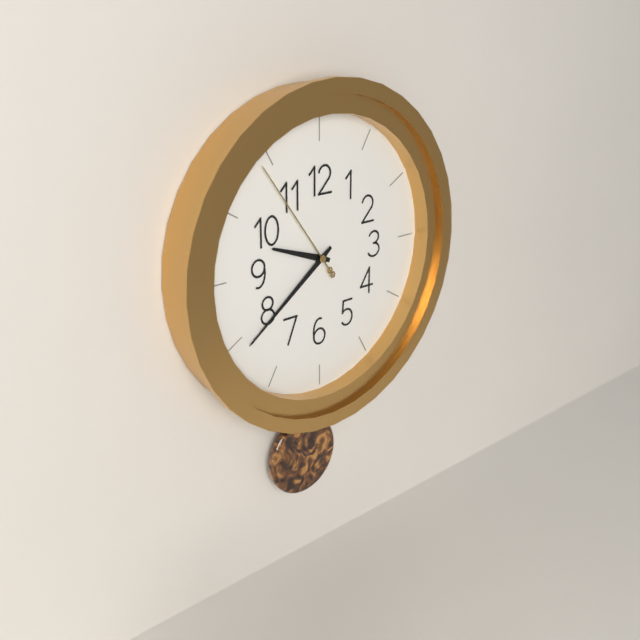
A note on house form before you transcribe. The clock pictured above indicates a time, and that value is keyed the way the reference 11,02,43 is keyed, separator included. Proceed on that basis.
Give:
9,39,54
